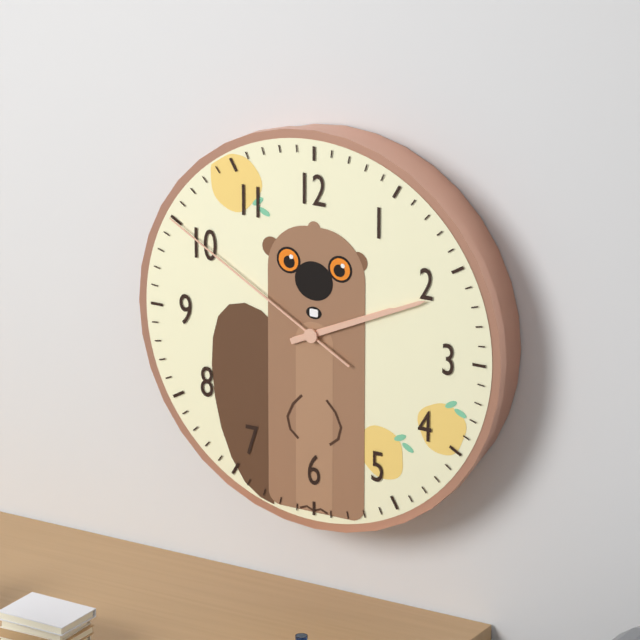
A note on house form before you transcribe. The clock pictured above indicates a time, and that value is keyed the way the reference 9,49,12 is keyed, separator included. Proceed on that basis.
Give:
2,11,50
